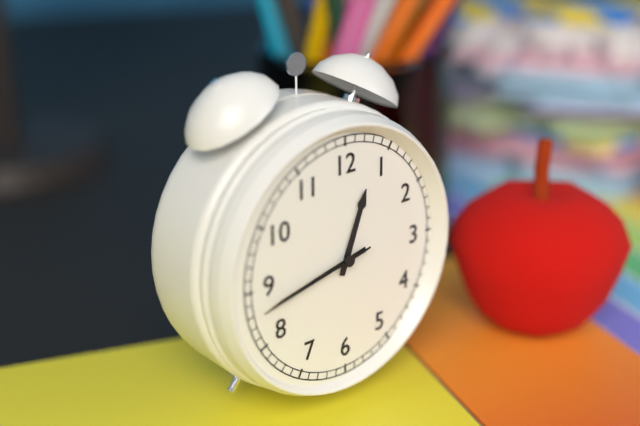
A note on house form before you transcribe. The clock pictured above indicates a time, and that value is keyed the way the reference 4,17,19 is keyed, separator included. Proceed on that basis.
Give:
12,43,43
